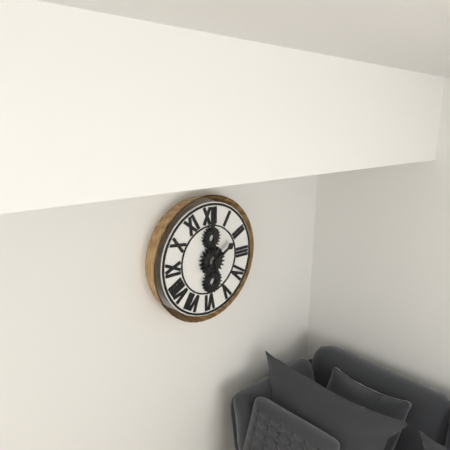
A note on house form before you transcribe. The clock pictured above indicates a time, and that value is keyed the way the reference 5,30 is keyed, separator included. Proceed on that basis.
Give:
1,59
